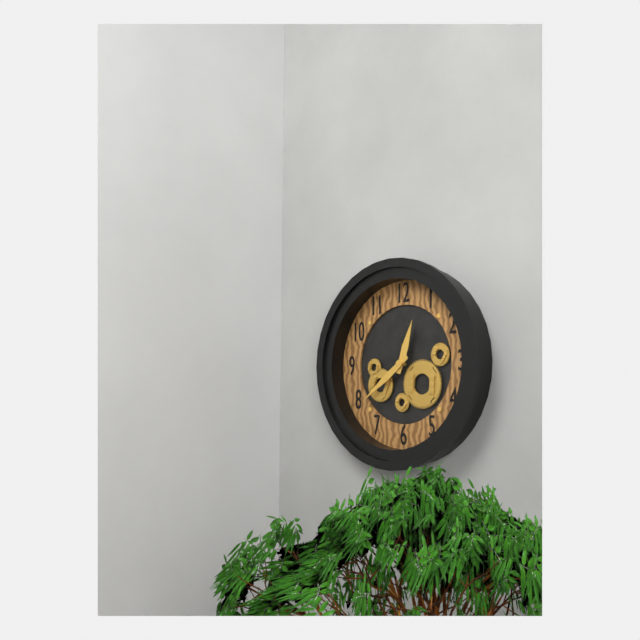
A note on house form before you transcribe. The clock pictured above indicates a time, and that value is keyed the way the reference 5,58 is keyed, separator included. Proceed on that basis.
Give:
12,39
